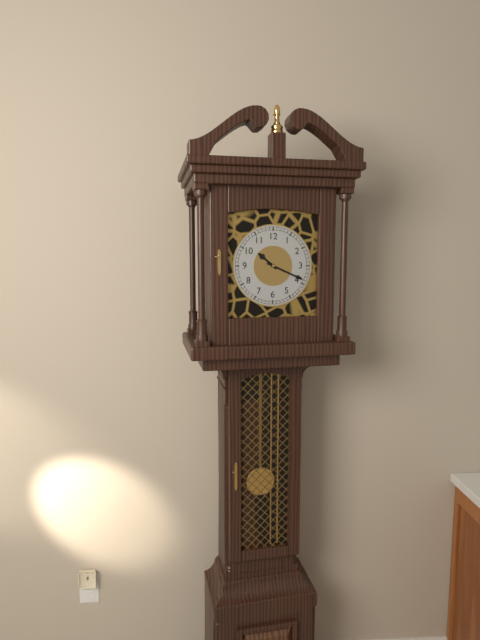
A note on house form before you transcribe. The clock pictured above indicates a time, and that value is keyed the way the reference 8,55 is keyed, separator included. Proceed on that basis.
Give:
10,19
